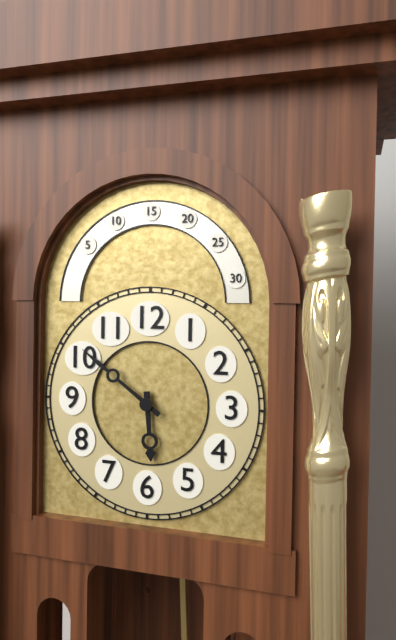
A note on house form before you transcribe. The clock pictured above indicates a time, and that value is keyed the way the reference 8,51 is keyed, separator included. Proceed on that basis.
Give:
5,51
